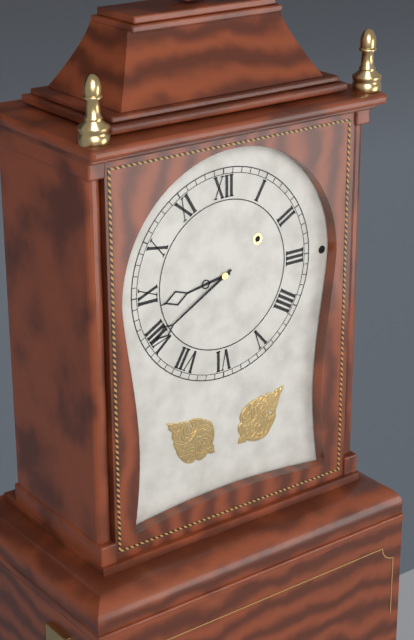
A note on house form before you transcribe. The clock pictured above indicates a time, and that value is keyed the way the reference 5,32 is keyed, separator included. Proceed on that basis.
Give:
8,40
